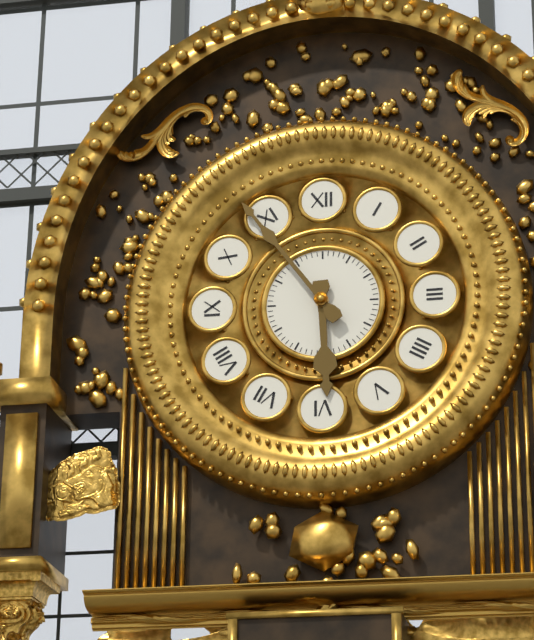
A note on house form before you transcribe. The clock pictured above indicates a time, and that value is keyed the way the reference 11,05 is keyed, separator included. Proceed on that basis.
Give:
5,54
